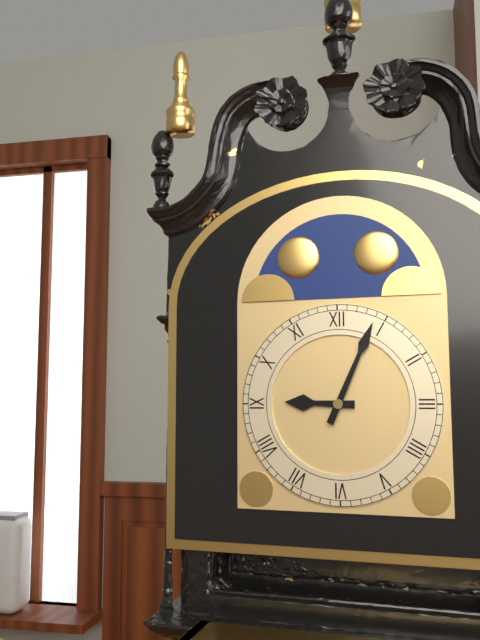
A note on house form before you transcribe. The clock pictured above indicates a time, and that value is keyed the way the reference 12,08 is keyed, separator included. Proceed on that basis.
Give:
9,04
